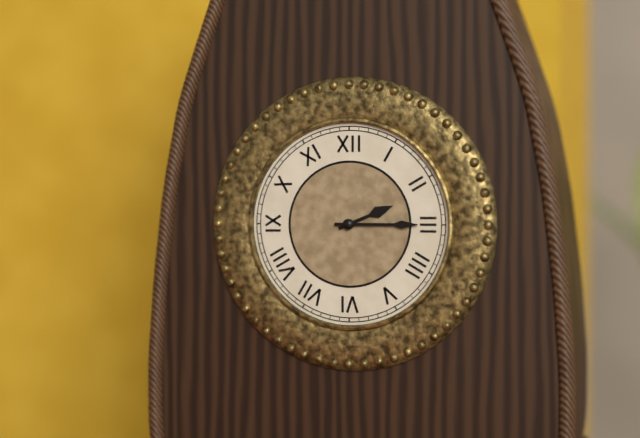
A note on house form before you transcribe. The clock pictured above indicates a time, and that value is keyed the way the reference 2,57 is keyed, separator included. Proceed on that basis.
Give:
2,15
